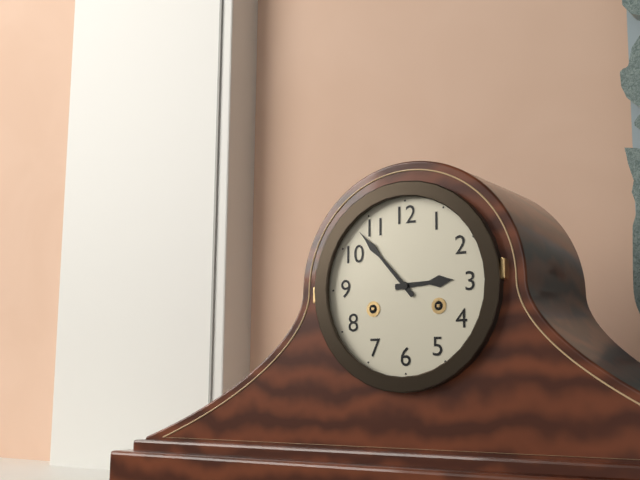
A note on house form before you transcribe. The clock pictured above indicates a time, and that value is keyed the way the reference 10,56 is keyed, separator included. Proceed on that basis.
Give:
2,53
